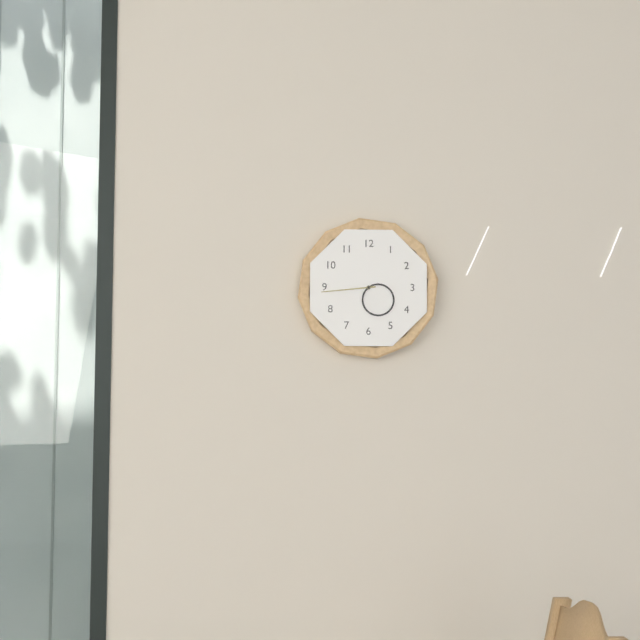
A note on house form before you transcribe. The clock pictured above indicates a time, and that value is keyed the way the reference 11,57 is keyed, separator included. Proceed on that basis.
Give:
4,44
